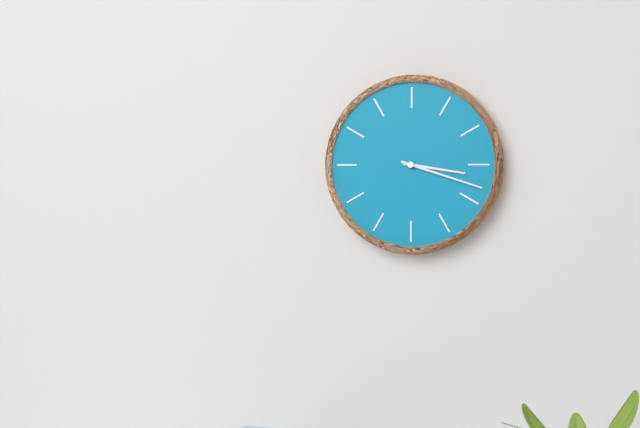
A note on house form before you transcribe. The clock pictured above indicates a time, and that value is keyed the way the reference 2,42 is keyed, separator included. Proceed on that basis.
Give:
3,18
